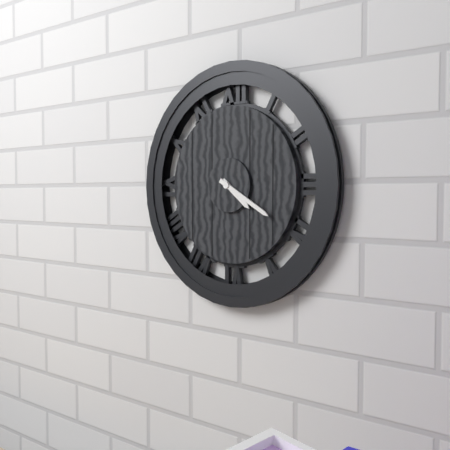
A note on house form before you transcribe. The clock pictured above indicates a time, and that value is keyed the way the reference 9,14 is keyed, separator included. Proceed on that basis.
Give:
4,20
